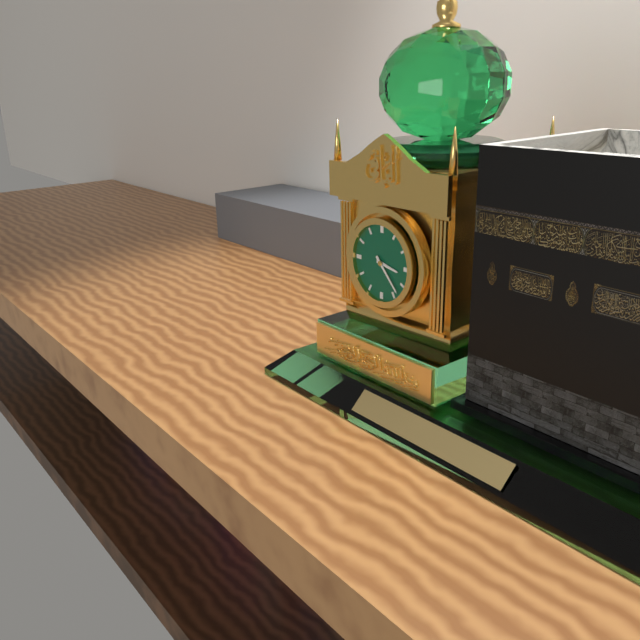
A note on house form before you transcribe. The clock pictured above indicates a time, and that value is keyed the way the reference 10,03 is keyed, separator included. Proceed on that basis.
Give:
3,23
